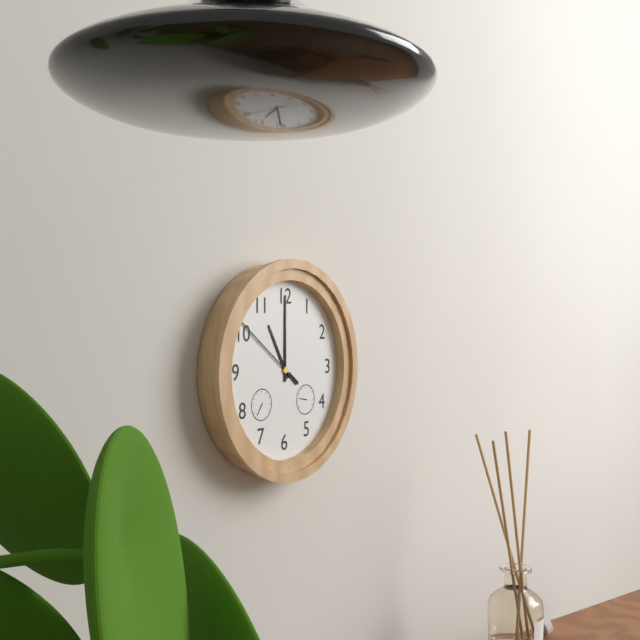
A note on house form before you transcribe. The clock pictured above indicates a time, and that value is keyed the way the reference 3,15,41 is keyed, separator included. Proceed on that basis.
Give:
11,00,51
